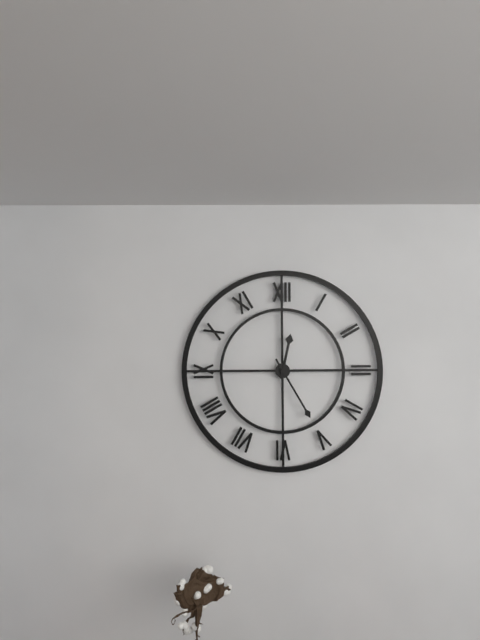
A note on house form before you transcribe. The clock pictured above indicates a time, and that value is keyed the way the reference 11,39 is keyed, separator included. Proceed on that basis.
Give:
12,25
